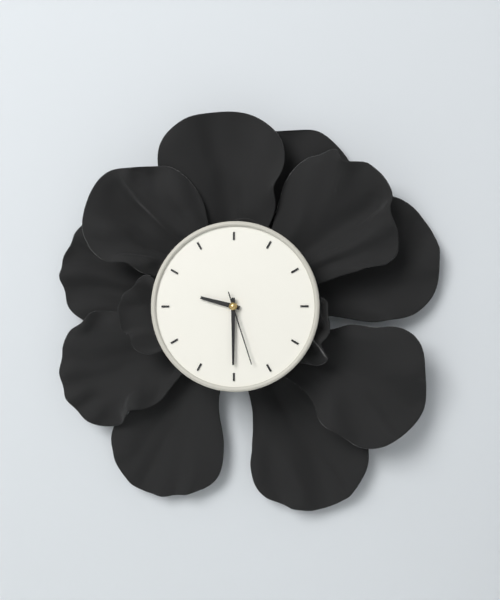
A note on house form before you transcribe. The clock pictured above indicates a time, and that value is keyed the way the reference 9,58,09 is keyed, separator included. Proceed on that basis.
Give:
9,30,27
